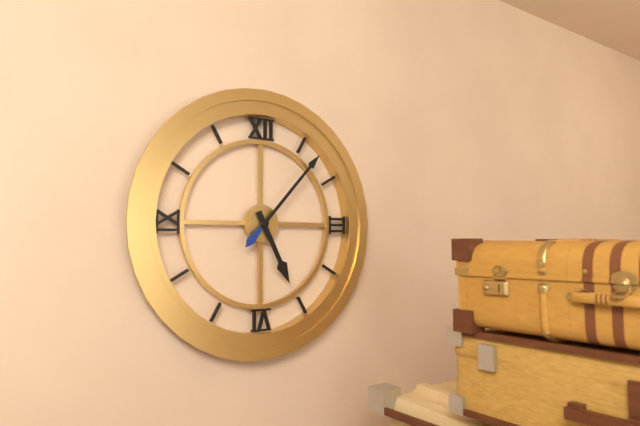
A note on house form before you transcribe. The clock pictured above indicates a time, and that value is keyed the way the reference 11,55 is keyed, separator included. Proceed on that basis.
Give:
5,07
